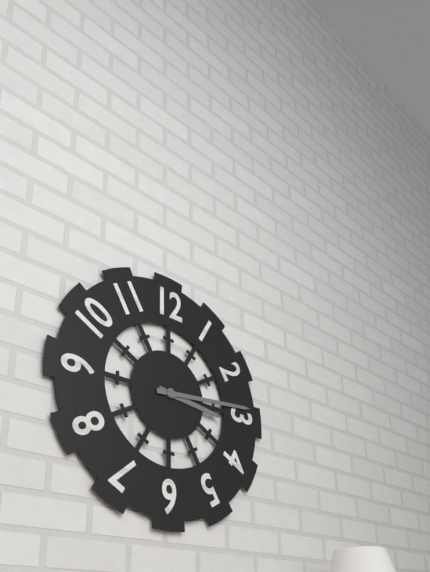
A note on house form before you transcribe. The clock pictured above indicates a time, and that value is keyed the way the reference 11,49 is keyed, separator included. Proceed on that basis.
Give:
3,14
